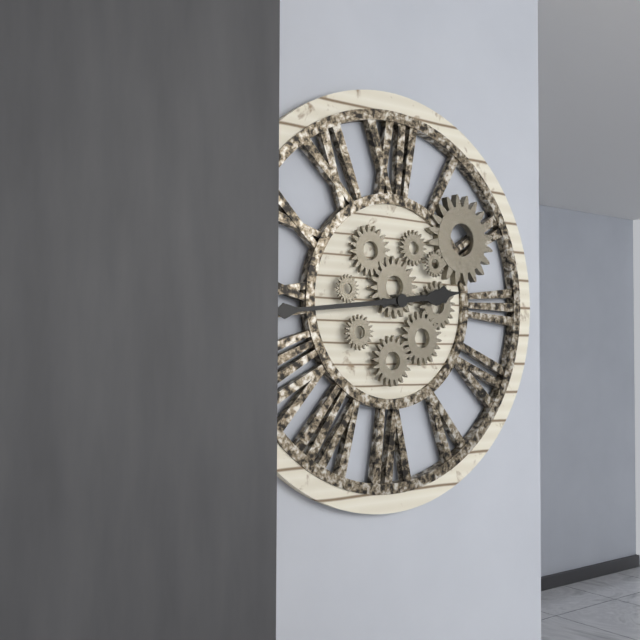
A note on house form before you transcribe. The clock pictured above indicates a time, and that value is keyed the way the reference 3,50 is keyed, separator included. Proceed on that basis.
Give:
2,44
